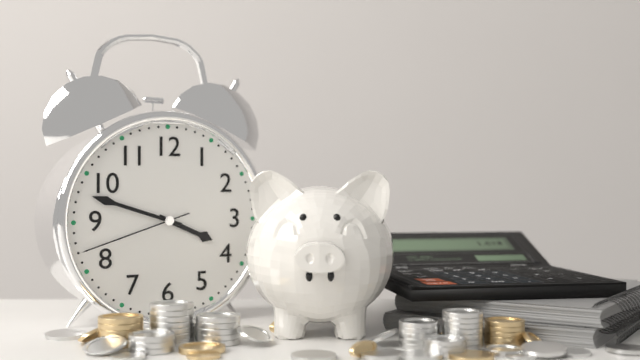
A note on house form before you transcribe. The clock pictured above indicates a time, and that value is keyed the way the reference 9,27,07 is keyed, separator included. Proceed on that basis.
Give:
3,48,42
